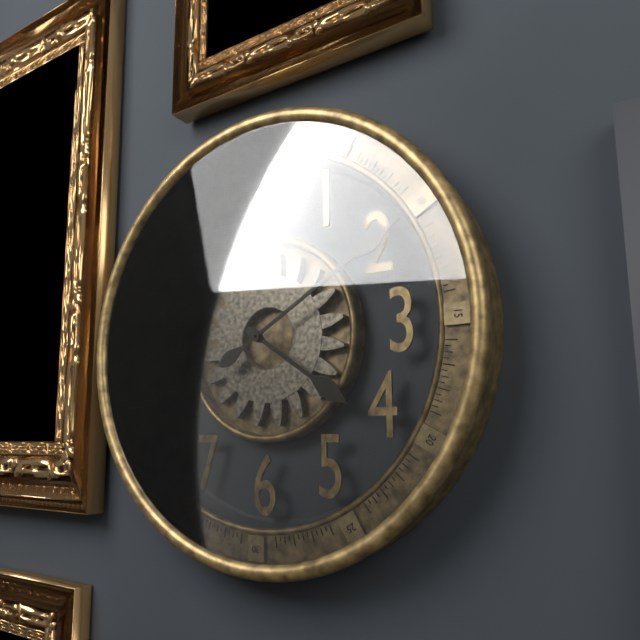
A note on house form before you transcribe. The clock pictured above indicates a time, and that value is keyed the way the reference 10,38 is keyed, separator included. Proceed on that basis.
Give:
4,10
